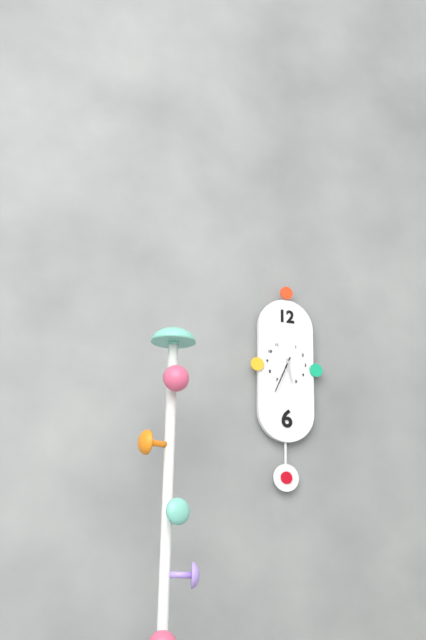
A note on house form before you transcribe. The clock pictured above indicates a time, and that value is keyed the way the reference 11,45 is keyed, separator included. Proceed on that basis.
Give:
5,34
